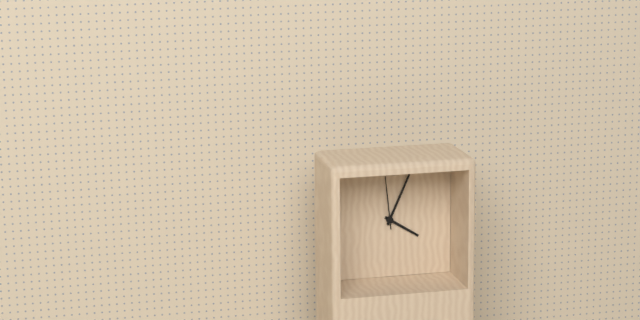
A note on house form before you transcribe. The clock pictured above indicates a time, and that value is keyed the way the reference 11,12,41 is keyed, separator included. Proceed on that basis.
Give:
4,04,59
